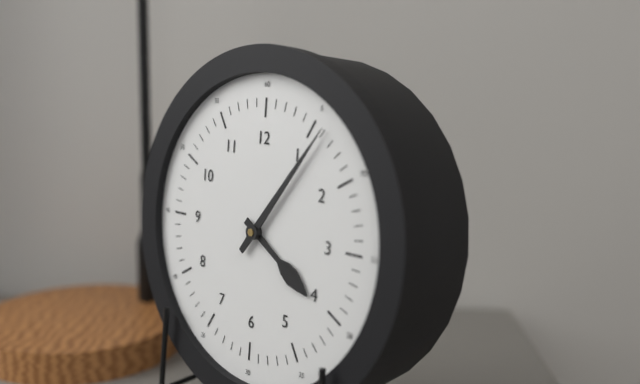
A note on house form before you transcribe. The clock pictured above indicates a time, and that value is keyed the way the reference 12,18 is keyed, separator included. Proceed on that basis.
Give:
4,06
